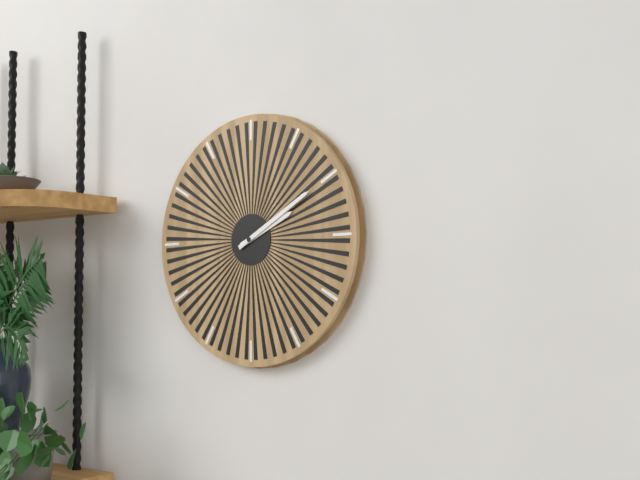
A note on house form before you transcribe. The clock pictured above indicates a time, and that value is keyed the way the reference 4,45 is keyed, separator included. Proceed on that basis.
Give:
2,10
